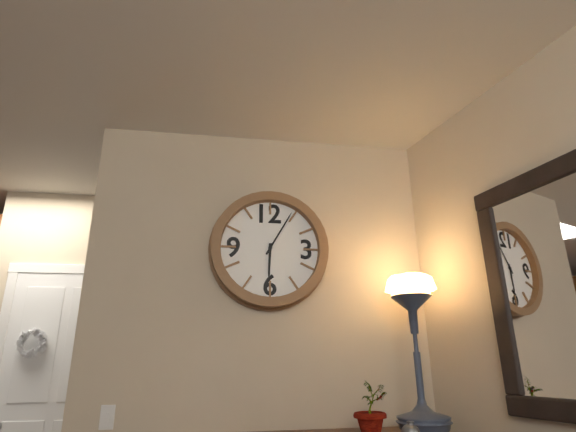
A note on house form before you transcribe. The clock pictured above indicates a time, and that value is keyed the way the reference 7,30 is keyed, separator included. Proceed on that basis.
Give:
6,05
